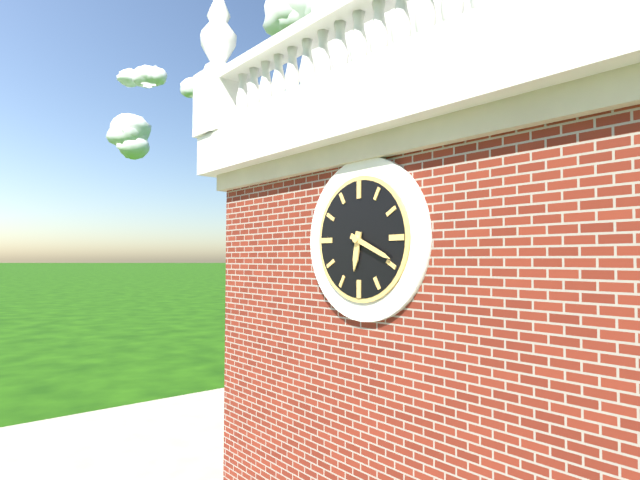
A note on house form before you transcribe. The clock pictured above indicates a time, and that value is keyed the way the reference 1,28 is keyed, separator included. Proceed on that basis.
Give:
6,19
